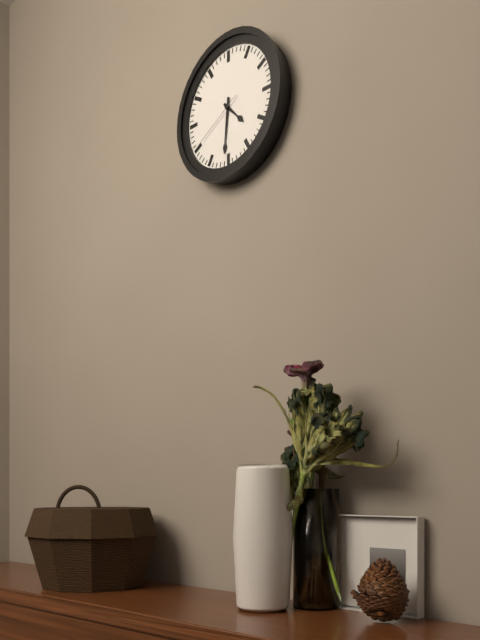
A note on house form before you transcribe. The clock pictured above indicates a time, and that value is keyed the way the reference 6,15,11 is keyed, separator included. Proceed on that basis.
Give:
4,31,40
